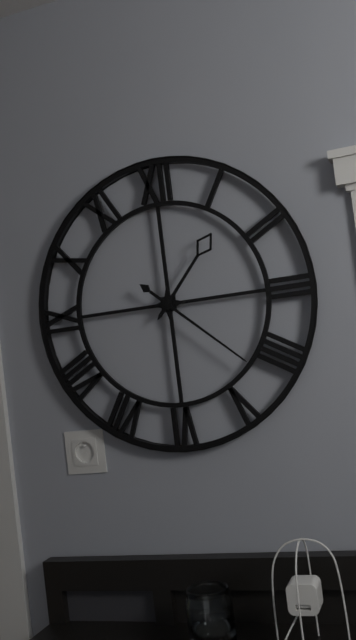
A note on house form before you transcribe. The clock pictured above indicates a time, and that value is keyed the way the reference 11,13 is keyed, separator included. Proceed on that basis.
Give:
1,22
